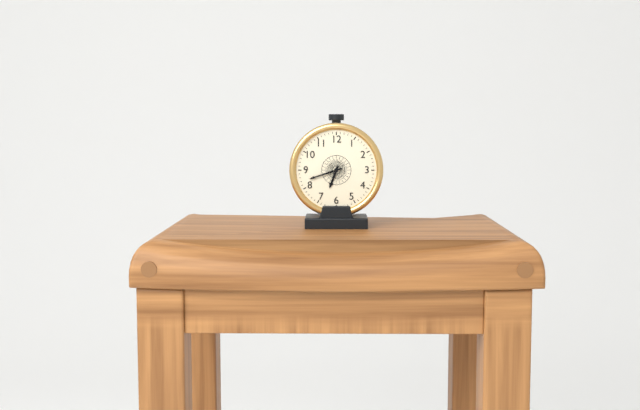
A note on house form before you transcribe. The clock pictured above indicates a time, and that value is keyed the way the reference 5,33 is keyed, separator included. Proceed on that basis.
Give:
6,42
